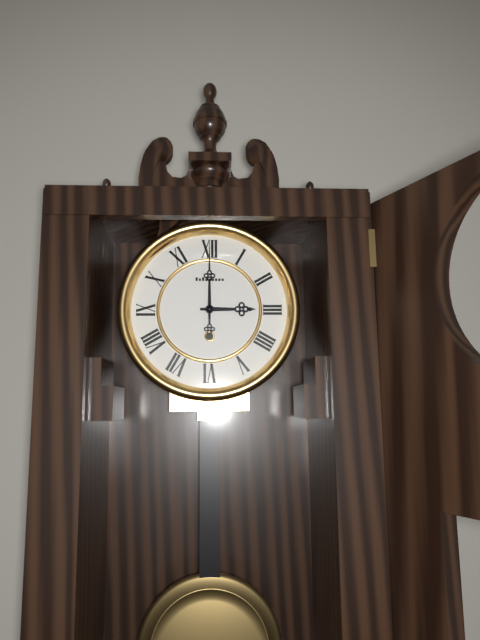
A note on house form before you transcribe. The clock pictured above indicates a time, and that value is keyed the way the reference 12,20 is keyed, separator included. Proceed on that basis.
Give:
3,00
